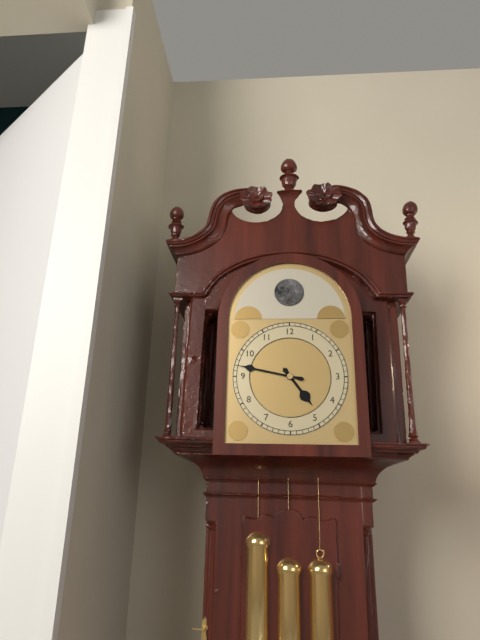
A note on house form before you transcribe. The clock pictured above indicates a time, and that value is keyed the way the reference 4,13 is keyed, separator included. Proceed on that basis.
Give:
4,47
